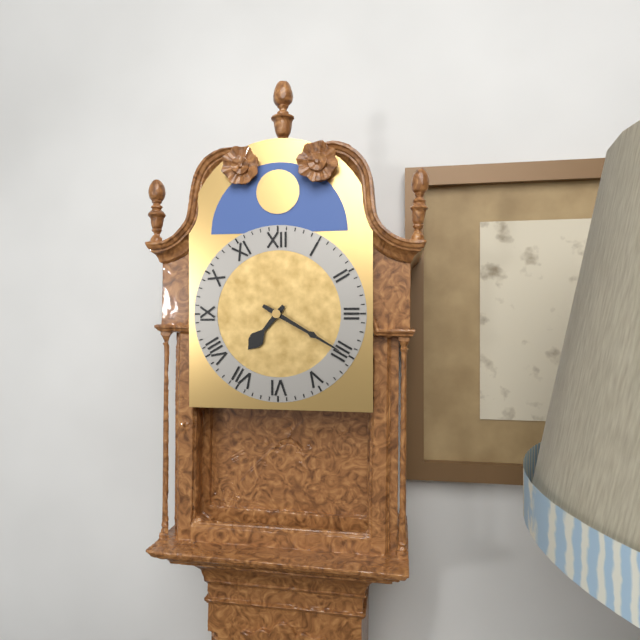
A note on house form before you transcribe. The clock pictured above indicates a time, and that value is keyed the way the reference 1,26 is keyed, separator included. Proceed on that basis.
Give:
7,20
